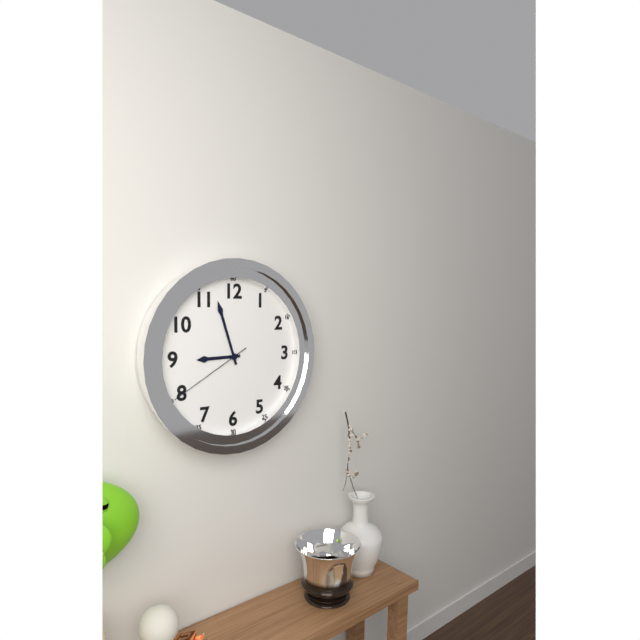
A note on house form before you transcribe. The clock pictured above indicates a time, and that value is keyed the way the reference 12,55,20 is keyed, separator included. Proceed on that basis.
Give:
8,57,40
